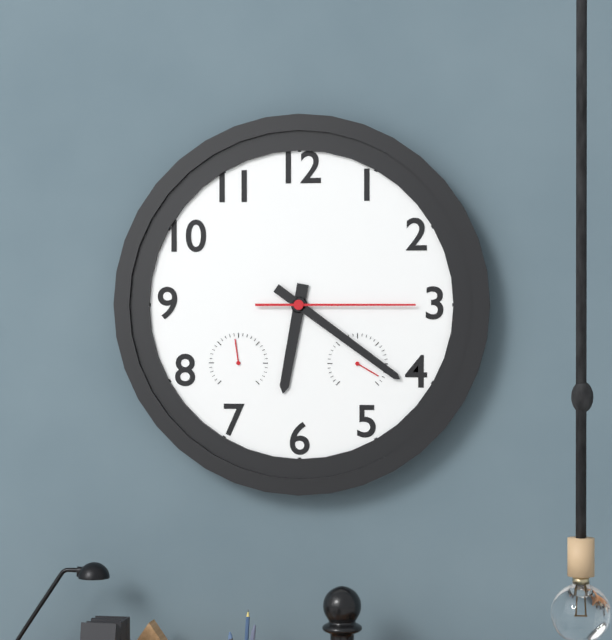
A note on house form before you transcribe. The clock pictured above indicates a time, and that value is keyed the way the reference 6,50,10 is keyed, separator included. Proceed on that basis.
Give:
6,21,15
